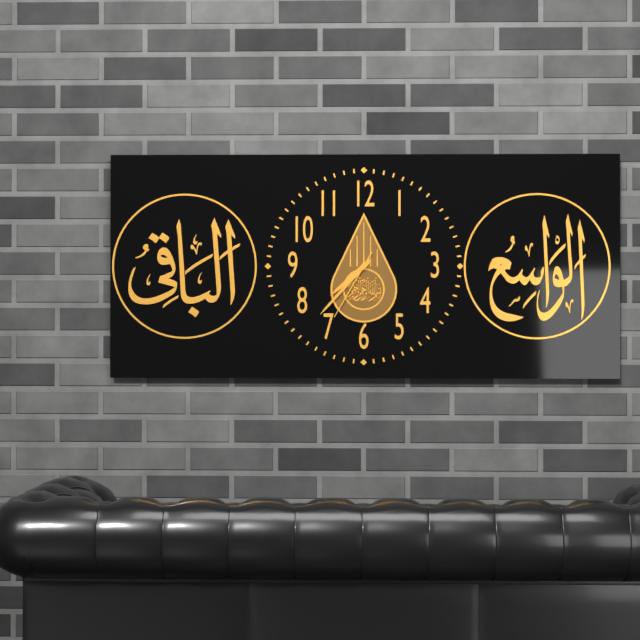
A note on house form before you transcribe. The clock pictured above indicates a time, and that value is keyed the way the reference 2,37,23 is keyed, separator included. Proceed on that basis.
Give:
7,37,35
